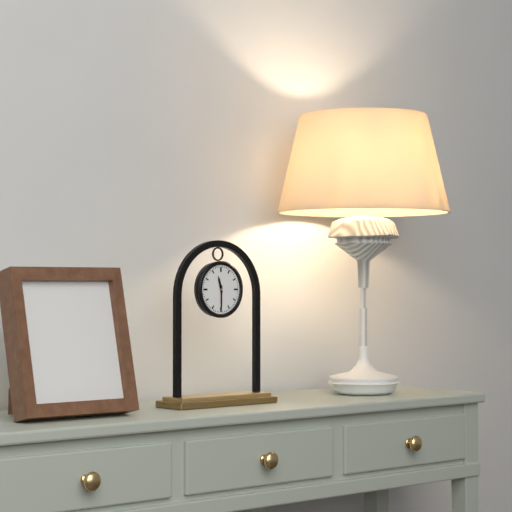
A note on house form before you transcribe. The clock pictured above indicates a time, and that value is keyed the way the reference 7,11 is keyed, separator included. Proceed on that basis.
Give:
11,30
